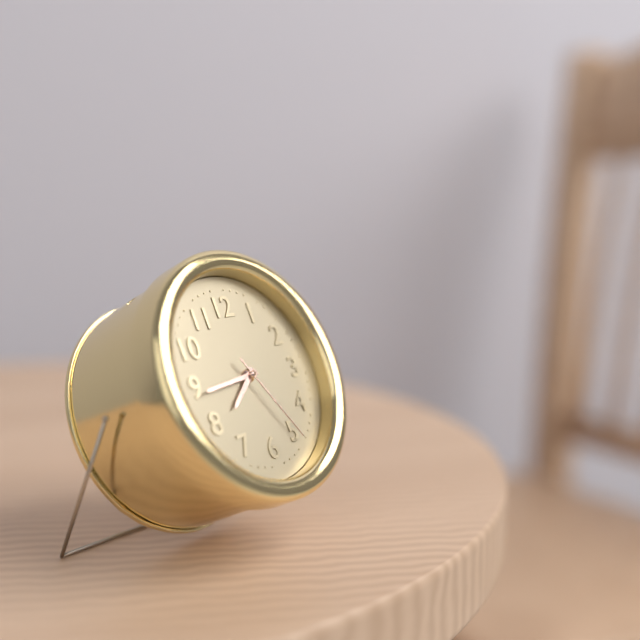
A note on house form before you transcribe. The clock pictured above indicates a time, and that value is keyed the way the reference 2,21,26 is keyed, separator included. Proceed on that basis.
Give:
7,44,25
